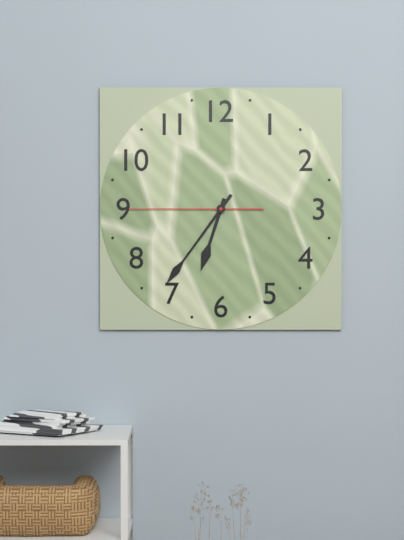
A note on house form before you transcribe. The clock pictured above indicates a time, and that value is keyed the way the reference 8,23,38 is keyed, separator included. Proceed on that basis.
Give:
6,36,45
